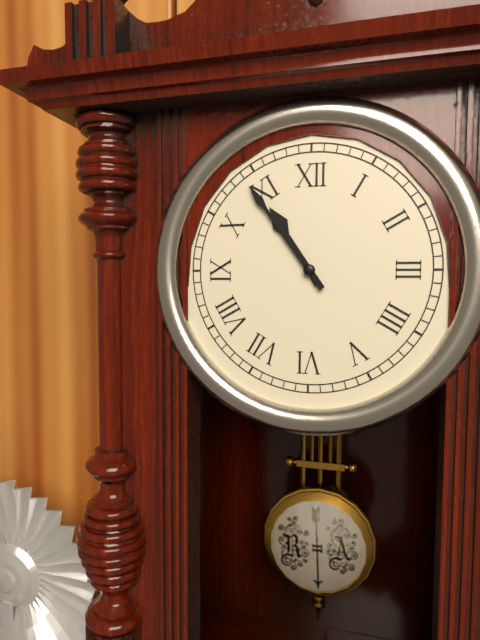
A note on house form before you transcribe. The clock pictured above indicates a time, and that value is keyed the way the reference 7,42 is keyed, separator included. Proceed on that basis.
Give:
10,54
